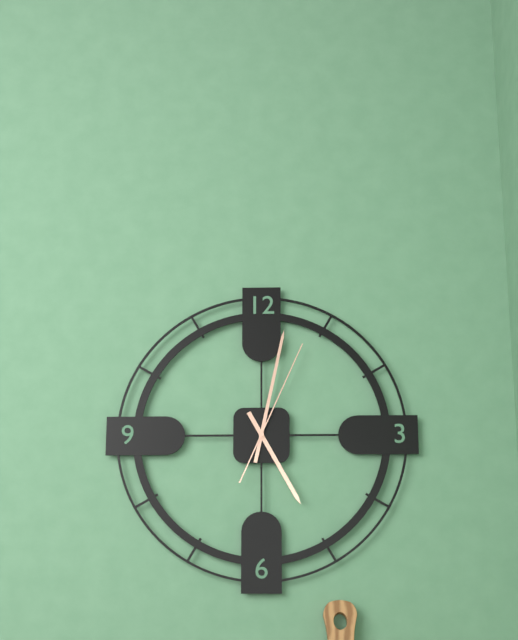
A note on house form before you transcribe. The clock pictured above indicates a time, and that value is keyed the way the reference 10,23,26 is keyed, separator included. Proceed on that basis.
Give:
5,02,04
